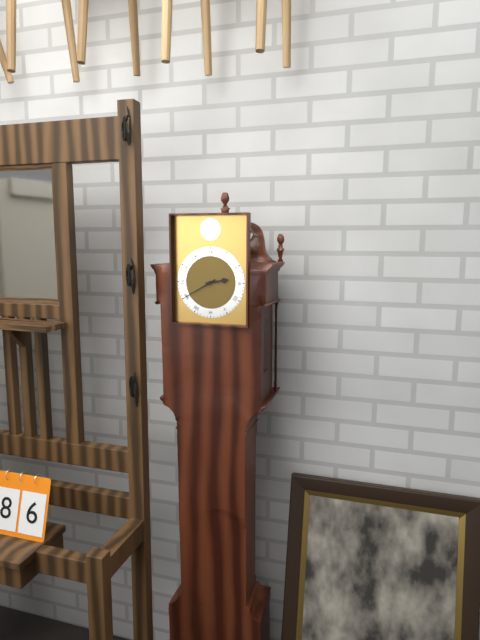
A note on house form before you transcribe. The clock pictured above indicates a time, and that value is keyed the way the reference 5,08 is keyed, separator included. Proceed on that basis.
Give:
2,40
